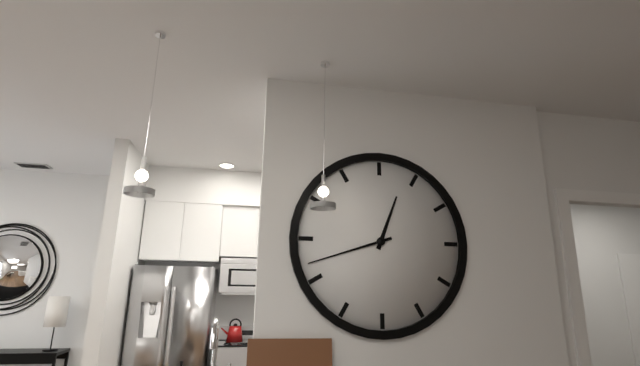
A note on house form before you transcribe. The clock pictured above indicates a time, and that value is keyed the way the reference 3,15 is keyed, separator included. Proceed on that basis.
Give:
12,42
